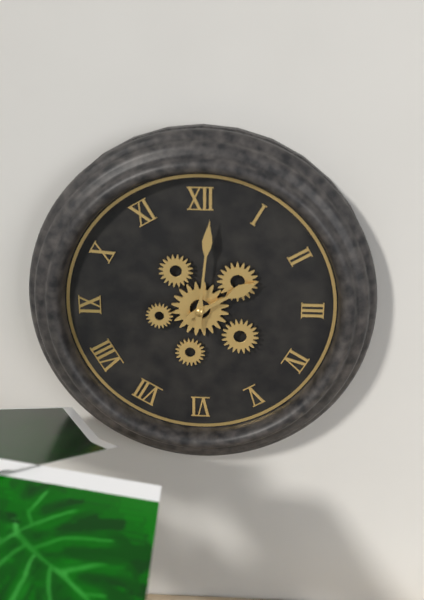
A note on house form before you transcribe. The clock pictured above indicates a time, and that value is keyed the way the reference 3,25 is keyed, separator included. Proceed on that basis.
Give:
2,01
